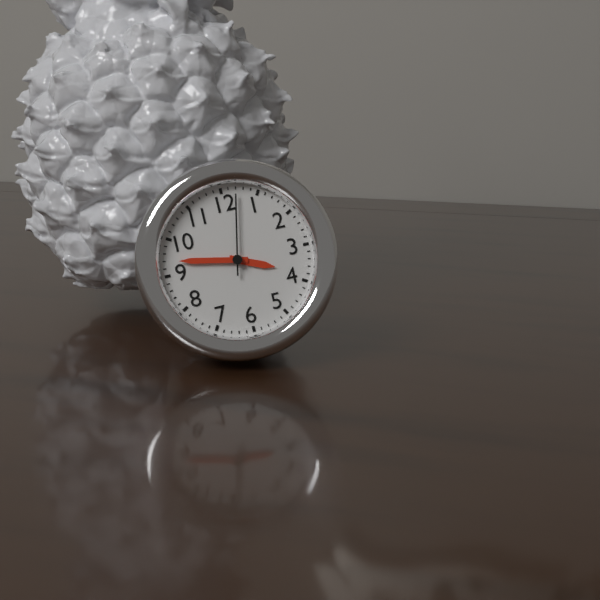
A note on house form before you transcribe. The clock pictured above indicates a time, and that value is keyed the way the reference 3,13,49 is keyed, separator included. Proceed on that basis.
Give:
3,47,02
